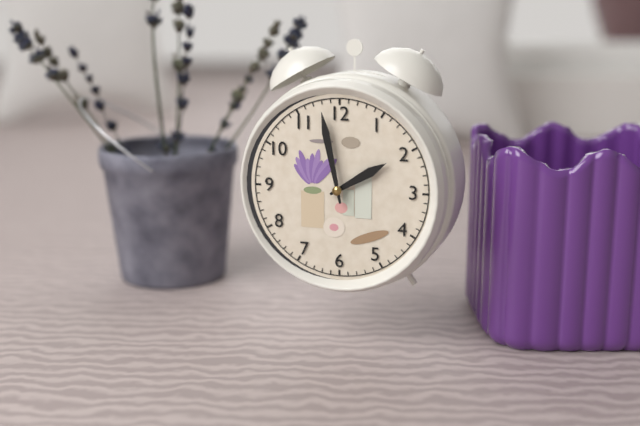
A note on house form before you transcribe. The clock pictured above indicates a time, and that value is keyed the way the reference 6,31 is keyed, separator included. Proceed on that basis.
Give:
1,58
